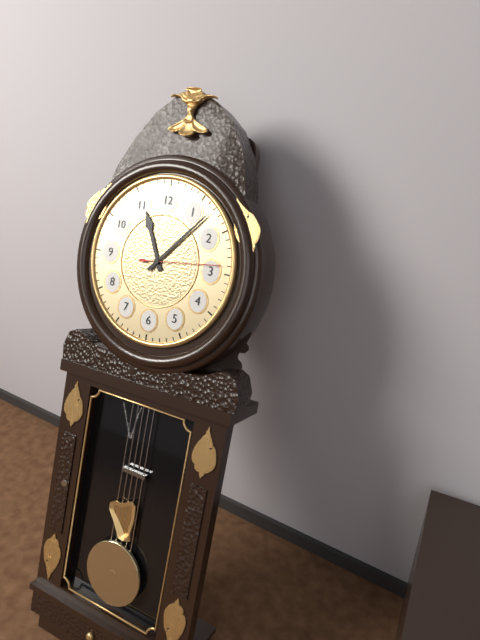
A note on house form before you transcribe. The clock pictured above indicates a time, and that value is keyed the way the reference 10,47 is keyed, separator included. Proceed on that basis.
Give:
11,07
